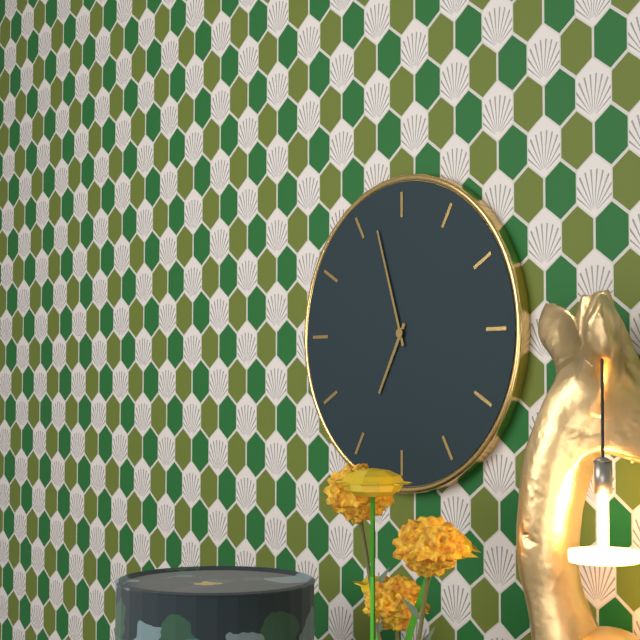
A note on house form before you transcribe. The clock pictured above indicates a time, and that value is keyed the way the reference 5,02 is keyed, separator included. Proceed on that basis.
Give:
6,57
